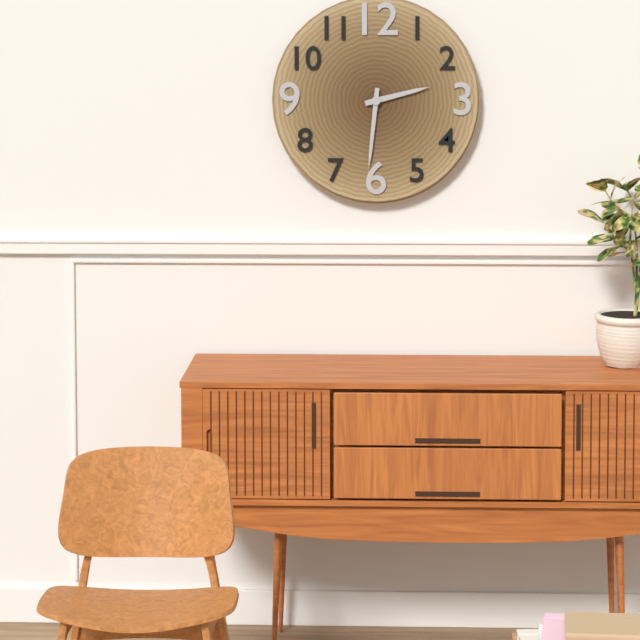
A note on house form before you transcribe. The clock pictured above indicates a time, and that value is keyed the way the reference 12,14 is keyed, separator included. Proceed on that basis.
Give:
2,31
